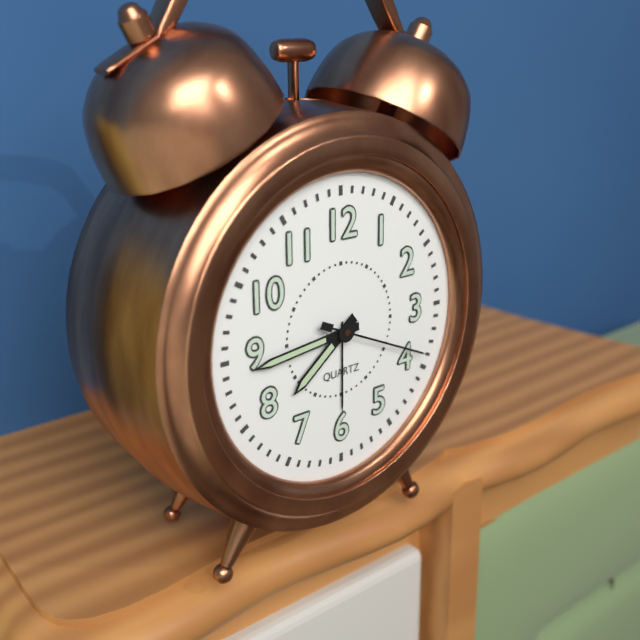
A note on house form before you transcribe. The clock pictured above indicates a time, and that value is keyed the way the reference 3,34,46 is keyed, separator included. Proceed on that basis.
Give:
7,44,19
